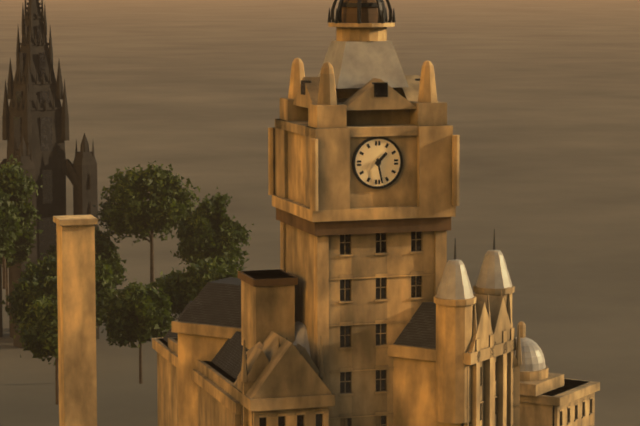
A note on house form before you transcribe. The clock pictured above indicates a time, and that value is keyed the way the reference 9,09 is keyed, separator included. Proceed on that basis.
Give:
1,28
